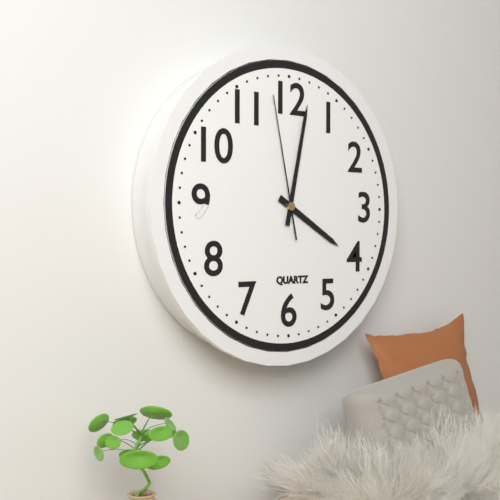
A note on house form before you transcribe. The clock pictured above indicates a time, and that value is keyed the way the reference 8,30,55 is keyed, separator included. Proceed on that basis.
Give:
4,02,58
